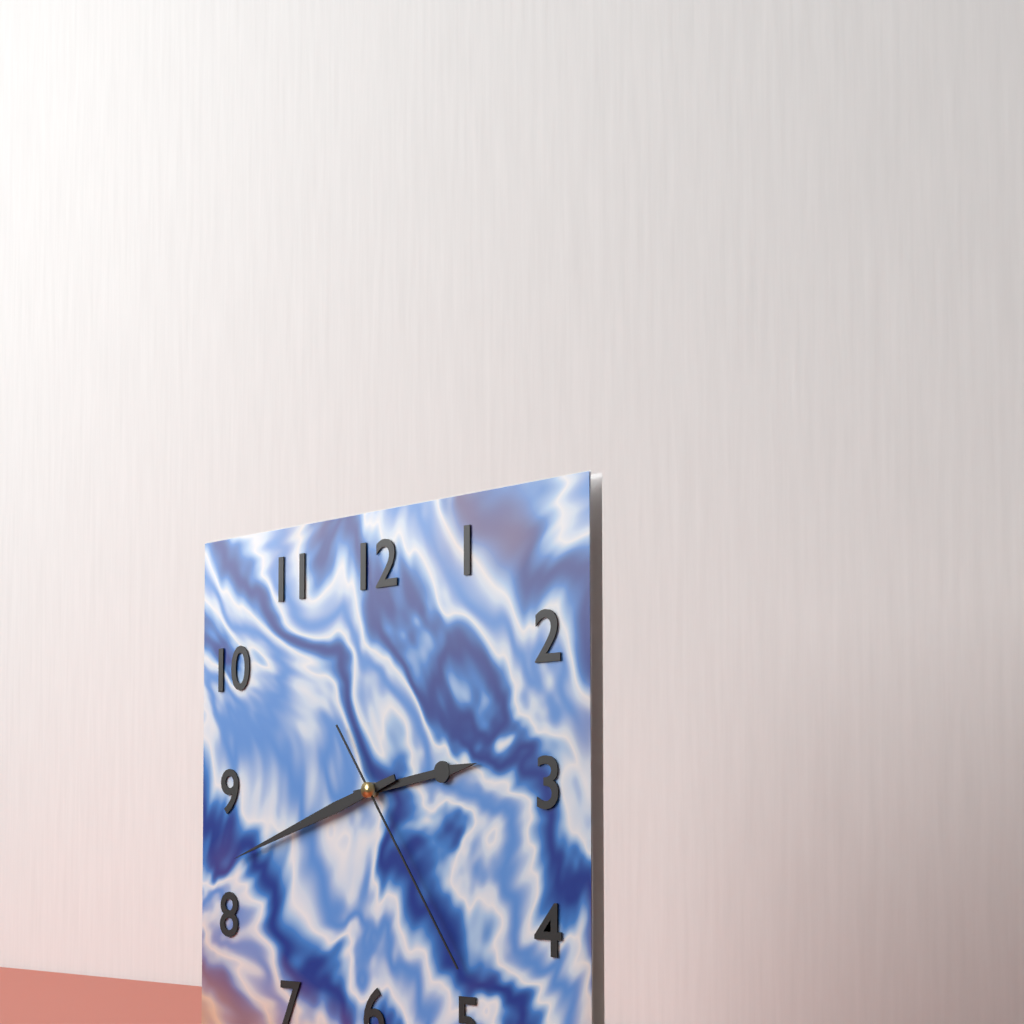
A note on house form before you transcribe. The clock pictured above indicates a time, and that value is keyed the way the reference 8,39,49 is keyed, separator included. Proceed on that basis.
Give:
2,42,24
